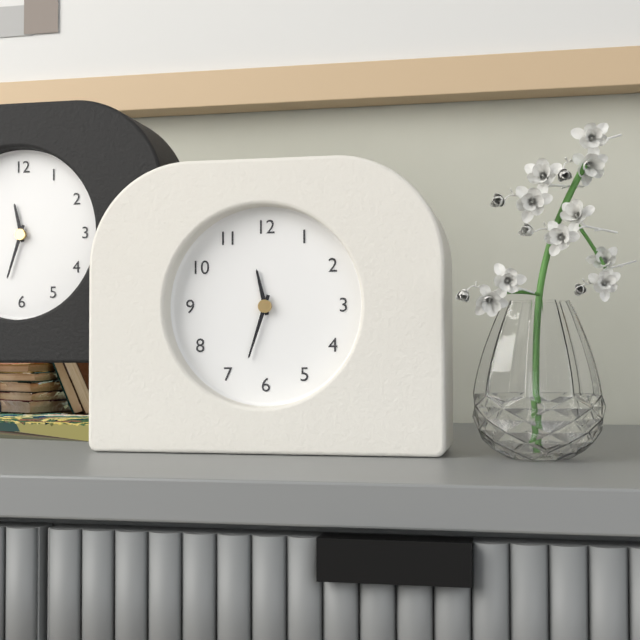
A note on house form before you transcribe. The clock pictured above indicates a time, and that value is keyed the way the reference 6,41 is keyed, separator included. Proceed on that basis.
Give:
11,33
